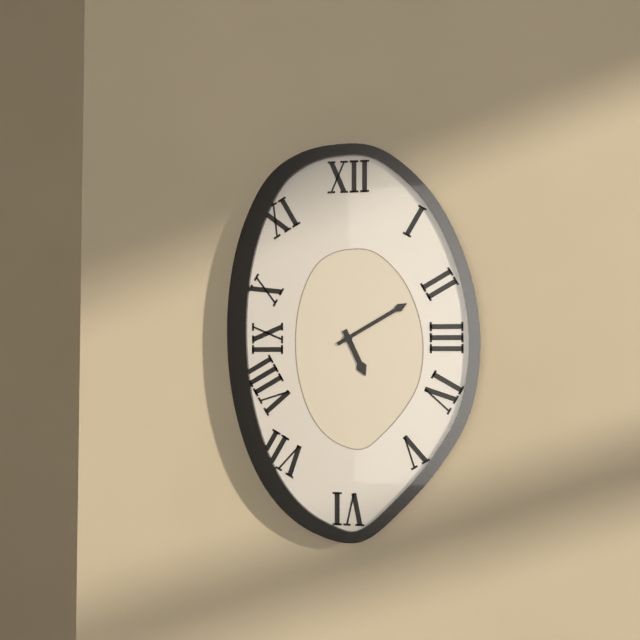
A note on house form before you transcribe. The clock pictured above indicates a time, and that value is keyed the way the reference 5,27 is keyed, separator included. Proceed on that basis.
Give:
5,10
